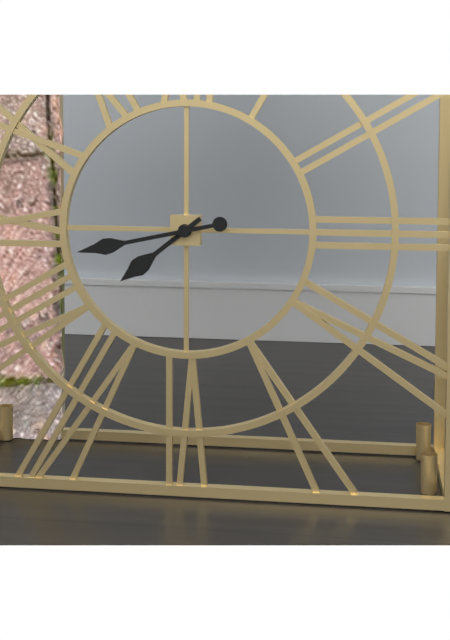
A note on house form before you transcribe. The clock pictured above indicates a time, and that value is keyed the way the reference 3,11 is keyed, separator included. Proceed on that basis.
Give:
7,43
